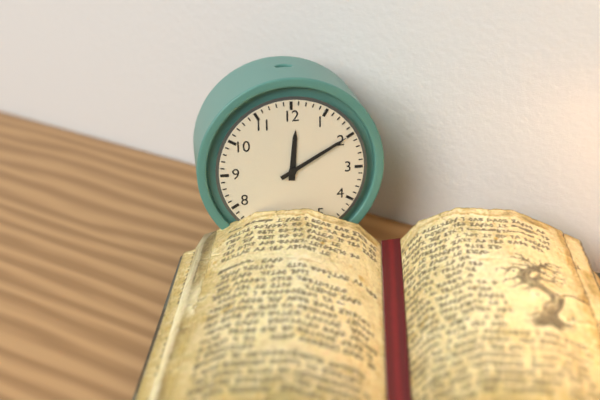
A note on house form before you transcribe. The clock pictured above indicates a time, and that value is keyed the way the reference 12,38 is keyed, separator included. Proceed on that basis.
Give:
12,10
